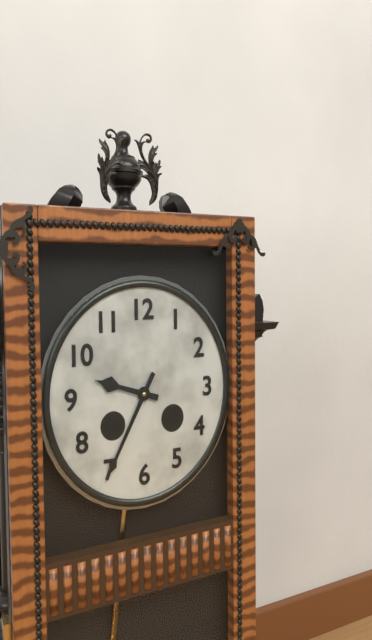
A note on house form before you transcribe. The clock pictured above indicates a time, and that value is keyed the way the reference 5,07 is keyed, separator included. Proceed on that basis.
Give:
9,35
